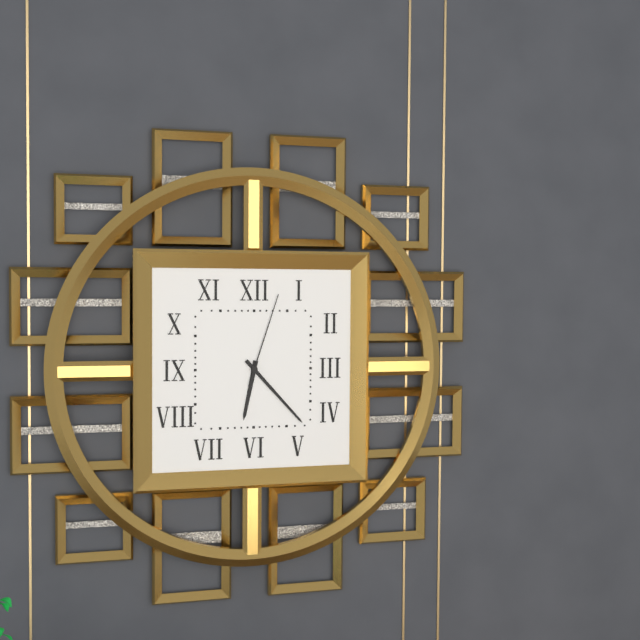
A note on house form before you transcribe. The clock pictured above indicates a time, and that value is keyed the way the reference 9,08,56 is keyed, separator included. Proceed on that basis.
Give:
6,23,03
